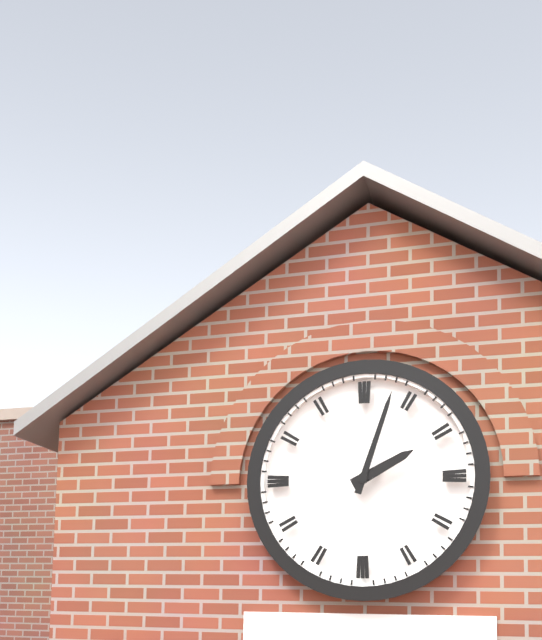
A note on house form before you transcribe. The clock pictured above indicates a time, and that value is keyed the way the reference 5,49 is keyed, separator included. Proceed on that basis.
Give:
2,03
